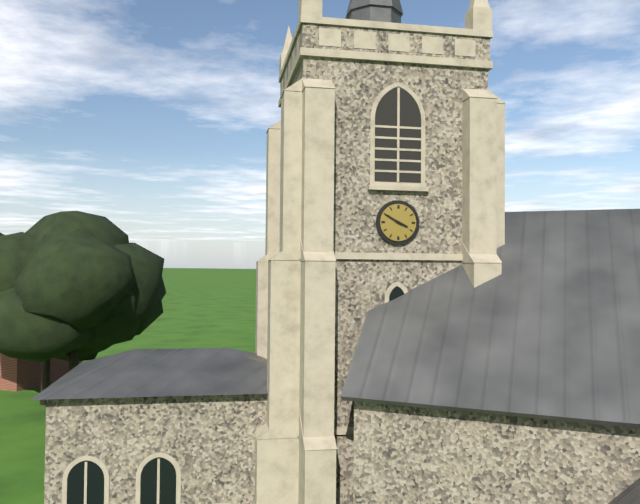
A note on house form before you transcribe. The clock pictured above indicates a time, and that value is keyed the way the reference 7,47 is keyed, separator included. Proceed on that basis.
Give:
3,50
